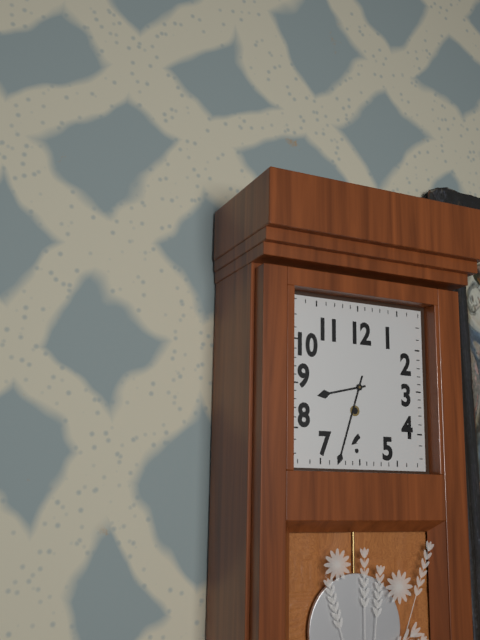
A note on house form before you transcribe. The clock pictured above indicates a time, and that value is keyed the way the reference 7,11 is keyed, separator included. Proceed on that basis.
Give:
8,33
